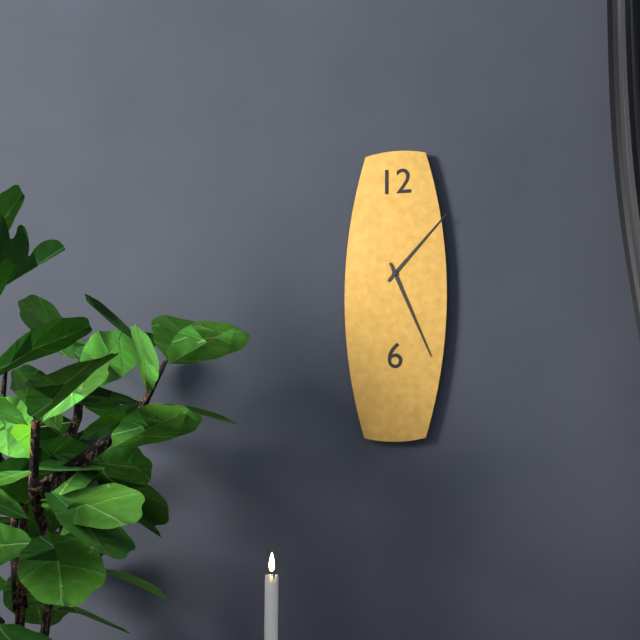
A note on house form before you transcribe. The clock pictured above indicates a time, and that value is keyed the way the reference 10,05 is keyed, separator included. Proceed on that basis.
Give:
1,26
